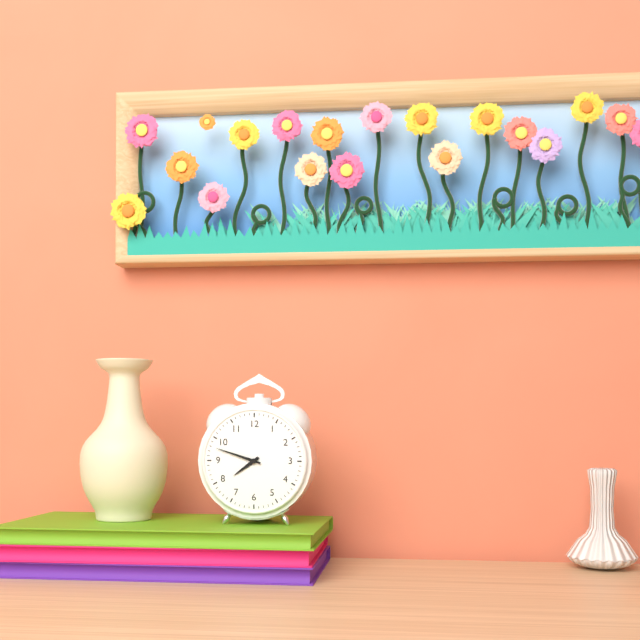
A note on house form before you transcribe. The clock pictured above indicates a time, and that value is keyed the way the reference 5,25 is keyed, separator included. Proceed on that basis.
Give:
7,48
